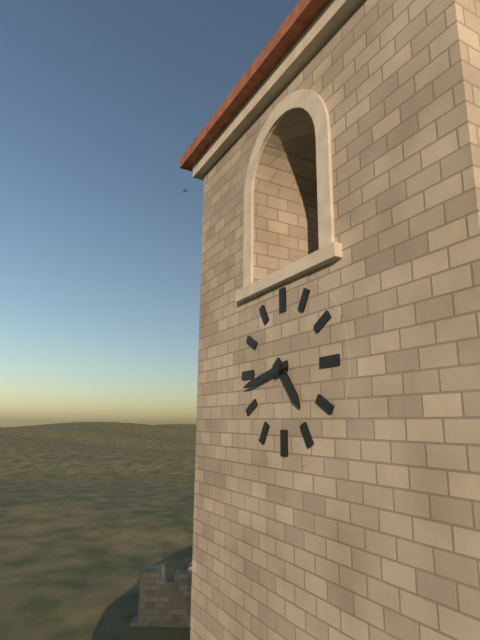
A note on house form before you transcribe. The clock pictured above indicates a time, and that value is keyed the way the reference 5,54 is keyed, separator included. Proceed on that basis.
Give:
4,43
